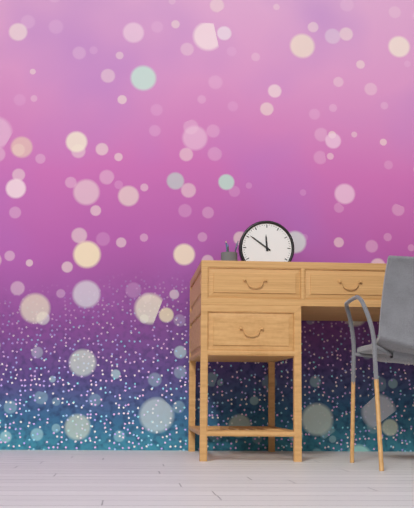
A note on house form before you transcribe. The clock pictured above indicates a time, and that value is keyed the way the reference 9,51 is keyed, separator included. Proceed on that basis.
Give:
11,51
